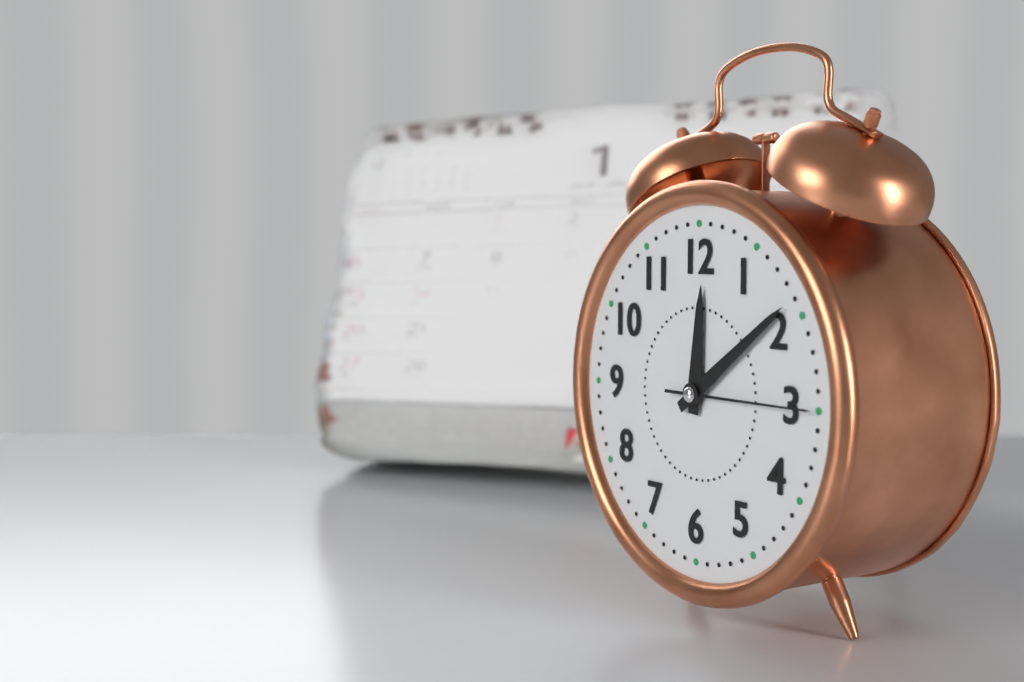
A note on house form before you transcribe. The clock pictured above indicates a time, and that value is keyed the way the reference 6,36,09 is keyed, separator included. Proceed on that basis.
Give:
12,09,15
